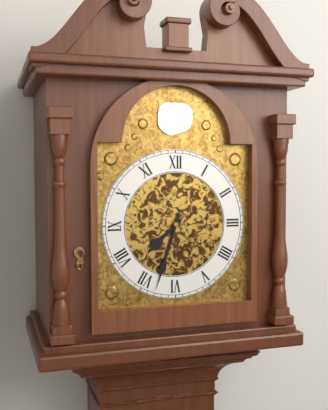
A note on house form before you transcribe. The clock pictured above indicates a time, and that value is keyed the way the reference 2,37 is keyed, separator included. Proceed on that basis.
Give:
7,33
